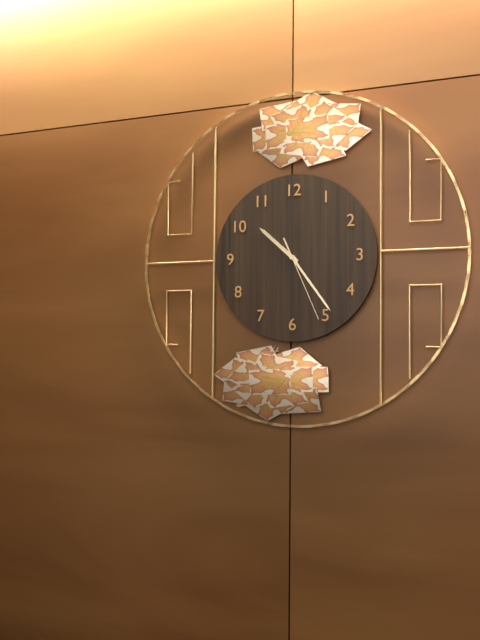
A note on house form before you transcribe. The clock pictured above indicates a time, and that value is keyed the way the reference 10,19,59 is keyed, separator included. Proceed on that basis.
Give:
10,24,26
